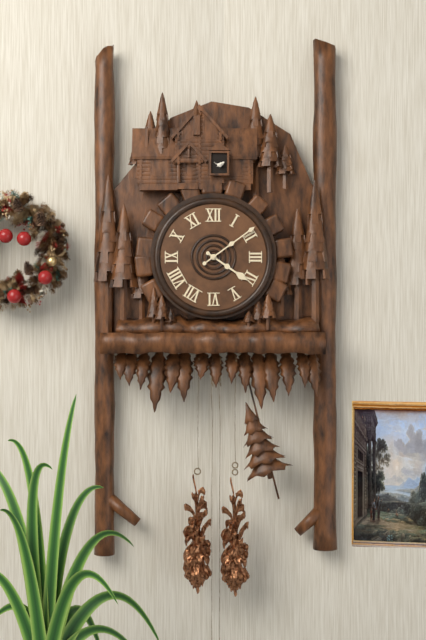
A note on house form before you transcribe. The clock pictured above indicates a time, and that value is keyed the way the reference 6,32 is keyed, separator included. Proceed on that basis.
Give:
4,09
